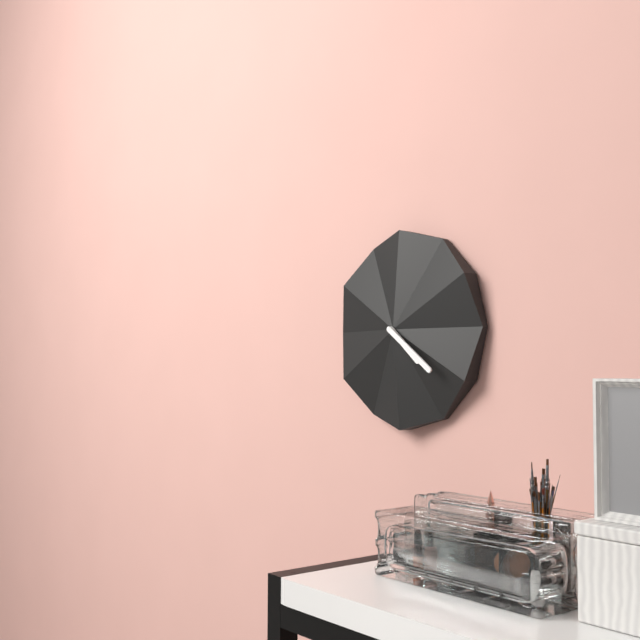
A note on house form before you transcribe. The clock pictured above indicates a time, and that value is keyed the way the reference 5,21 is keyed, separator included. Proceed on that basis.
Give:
4,21
